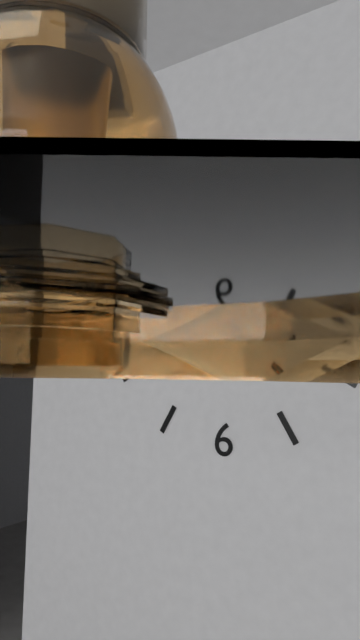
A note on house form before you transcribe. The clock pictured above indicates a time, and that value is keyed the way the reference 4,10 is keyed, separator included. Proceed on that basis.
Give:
7,06
